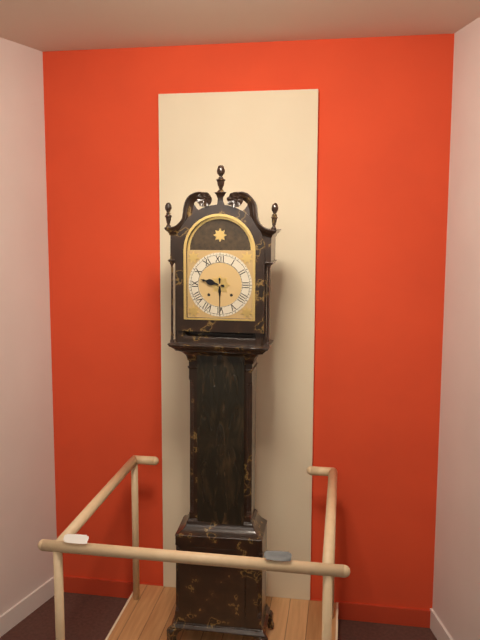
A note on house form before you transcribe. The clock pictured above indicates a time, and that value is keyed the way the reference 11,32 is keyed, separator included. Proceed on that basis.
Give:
9,30
